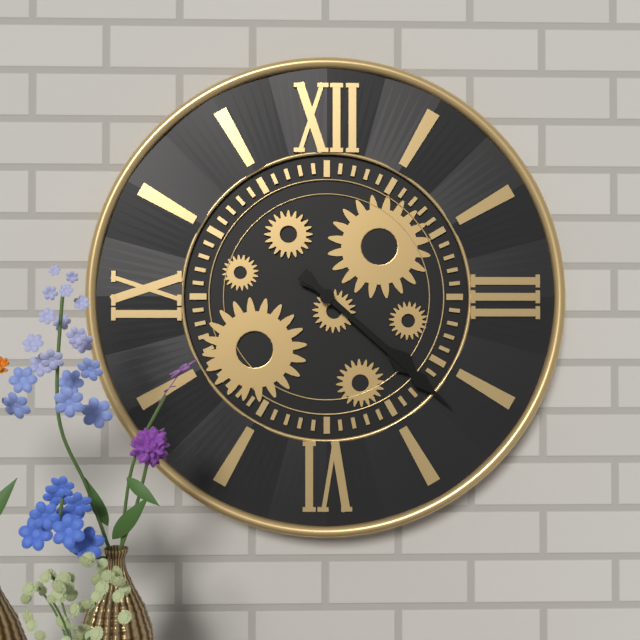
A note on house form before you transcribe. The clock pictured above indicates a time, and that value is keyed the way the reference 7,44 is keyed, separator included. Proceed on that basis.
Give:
4,22
